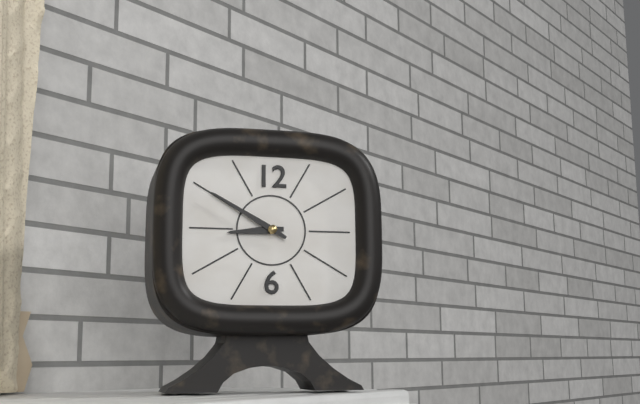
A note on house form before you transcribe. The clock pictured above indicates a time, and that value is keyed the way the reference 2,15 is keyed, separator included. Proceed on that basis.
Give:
8,50
